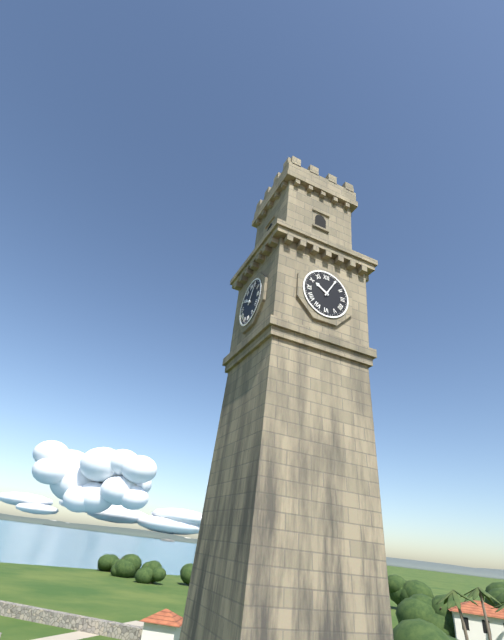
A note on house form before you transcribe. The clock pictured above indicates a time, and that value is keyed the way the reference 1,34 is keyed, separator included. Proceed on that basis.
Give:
10,05
